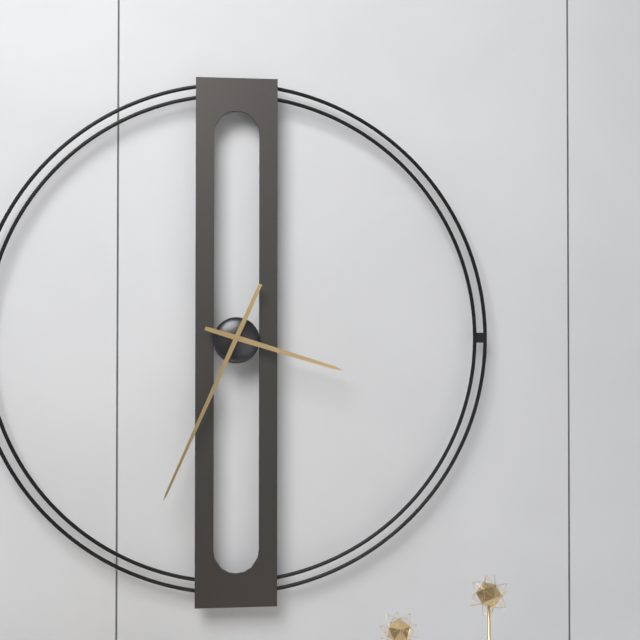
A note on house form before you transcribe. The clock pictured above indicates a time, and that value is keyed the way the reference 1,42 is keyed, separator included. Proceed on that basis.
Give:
3,34
